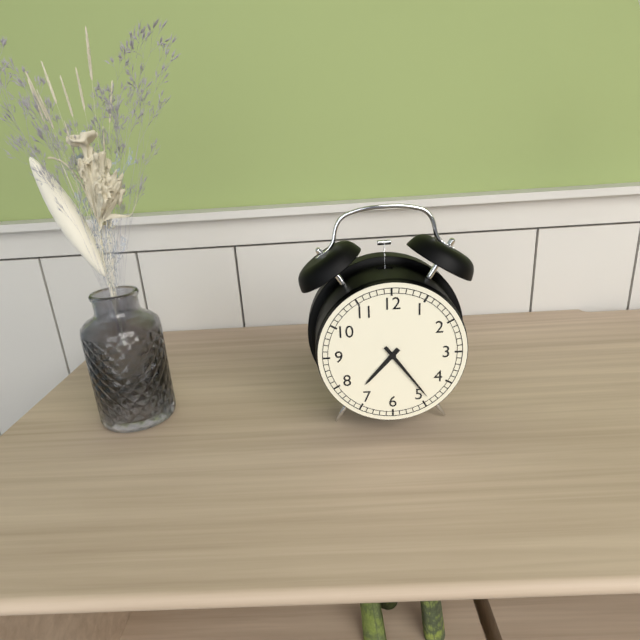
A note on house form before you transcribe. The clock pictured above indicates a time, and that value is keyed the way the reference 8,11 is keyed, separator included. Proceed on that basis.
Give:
7,24
